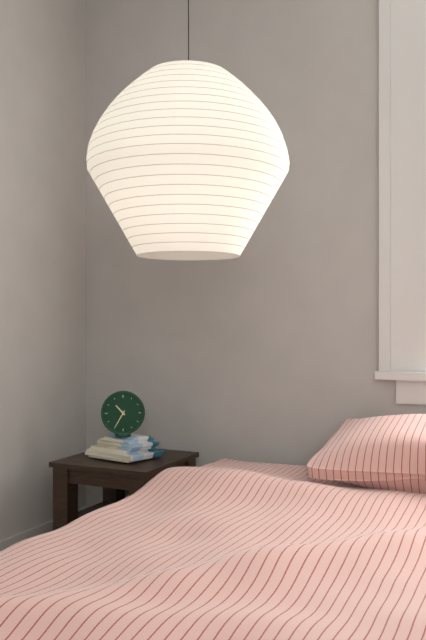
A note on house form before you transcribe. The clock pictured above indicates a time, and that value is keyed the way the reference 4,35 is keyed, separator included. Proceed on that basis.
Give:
10,35
